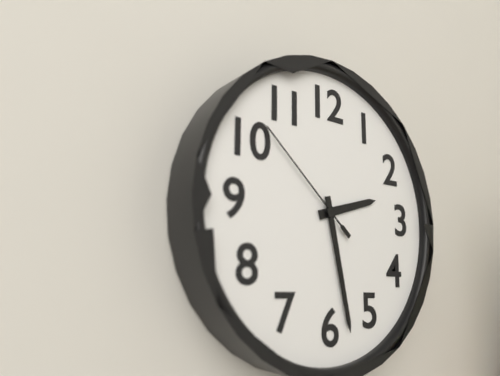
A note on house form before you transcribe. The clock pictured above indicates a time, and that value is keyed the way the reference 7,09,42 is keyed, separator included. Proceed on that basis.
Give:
2,28,52
